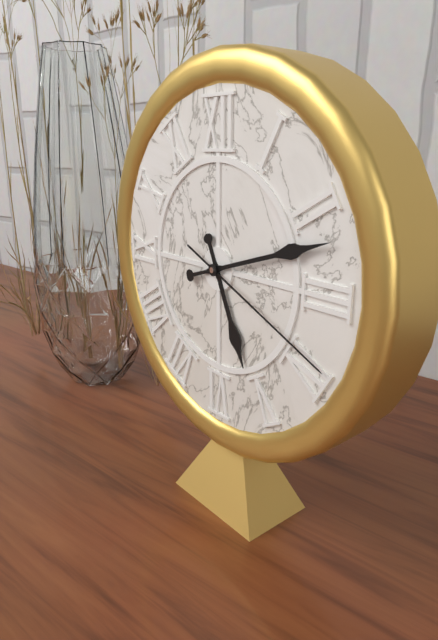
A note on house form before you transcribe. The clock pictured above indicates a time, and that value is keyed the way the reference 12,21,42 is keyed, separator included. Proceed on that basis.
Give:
5,12,19
